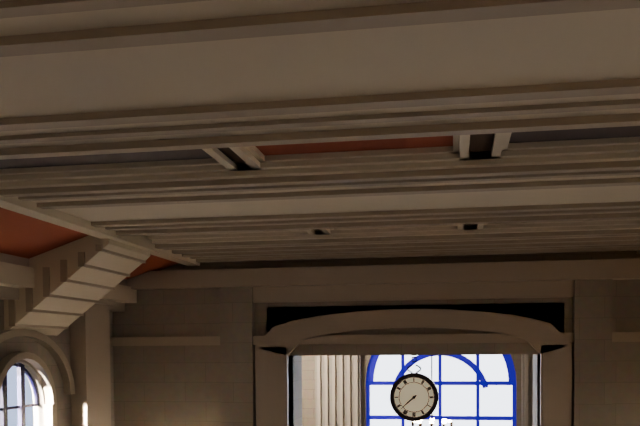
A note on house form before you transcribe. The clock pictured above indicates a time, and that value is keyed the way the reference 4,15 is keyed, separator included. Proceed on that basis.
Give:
7,38
